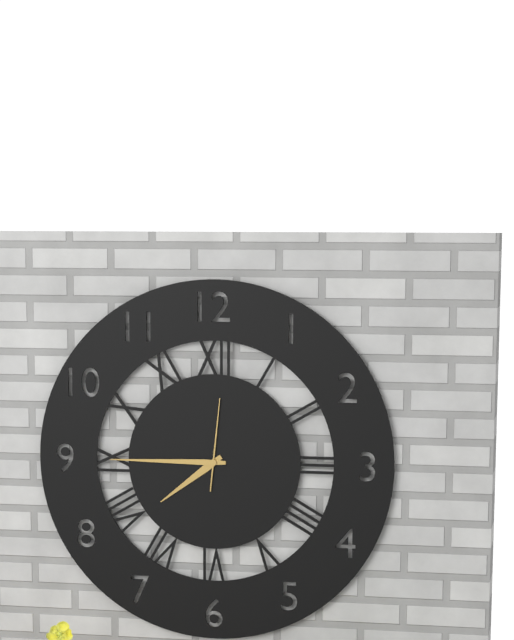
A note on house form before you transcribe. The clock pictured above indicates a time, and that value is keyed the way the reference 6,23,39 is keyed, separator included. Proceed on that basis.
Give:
7,45,01
